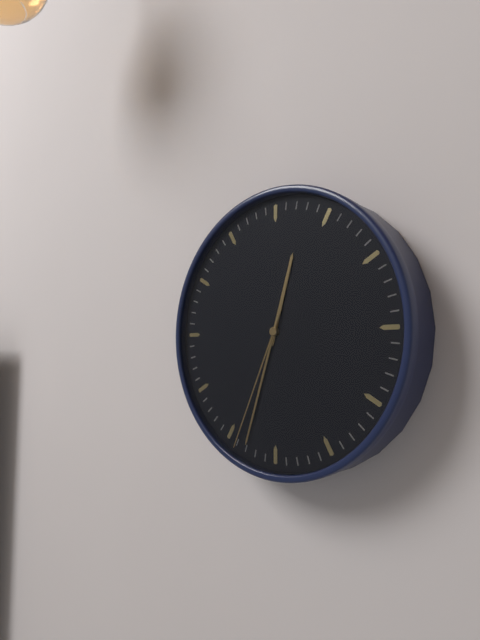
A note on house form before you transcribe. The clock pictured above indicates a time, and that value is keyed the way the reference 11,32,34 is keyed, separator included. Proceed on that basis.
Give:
12,33,34
